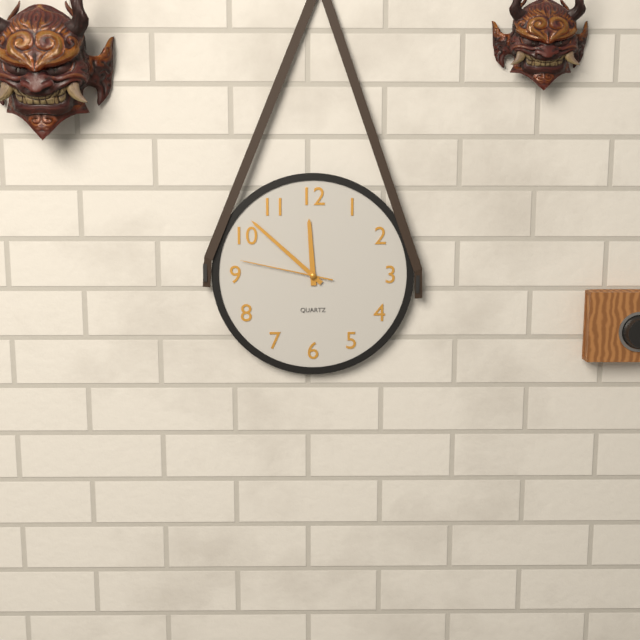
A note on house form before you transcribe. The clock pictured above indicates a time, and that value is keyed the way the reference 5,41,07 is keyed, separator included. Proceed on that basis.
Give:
11,52,47
